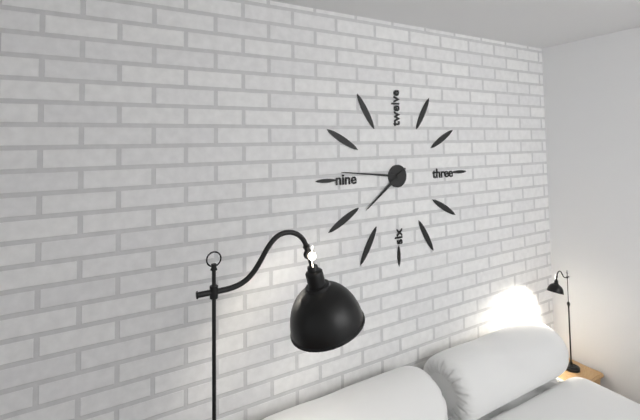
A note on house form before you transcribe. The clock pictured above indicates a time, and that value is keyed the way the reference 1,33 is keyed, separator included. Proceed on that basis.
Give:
7,46
